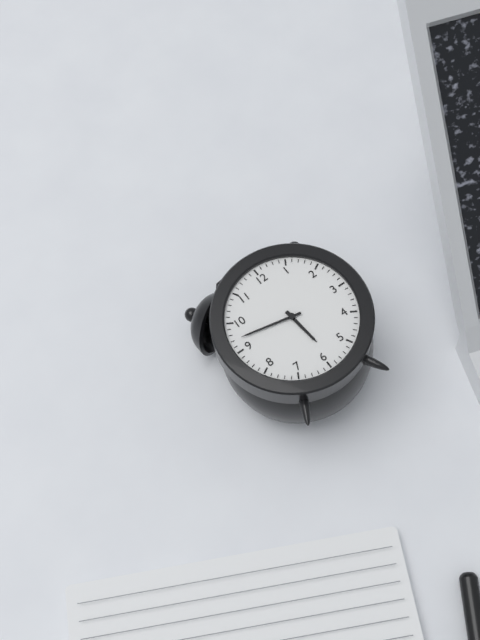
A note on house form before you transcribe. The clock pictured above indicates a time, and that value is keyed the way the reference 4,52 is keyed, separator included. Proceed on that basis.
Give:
5,47
